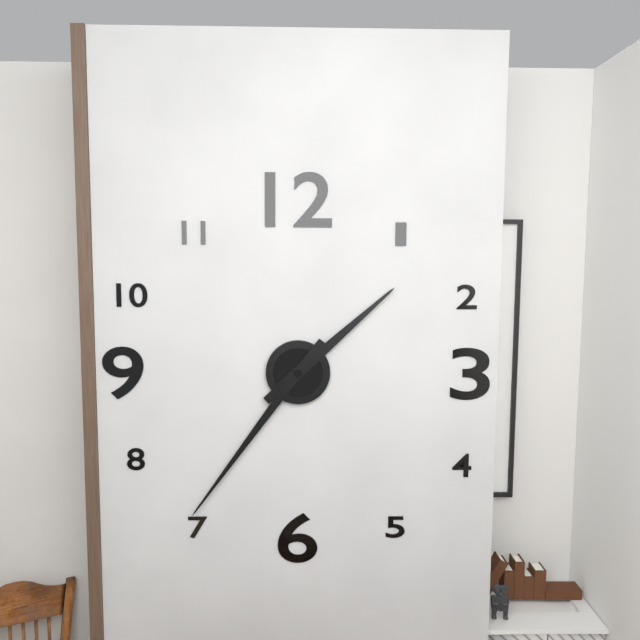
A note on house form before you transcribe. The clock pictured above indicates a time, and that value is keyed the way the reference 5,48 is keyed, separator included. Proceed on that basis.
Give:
1,36
